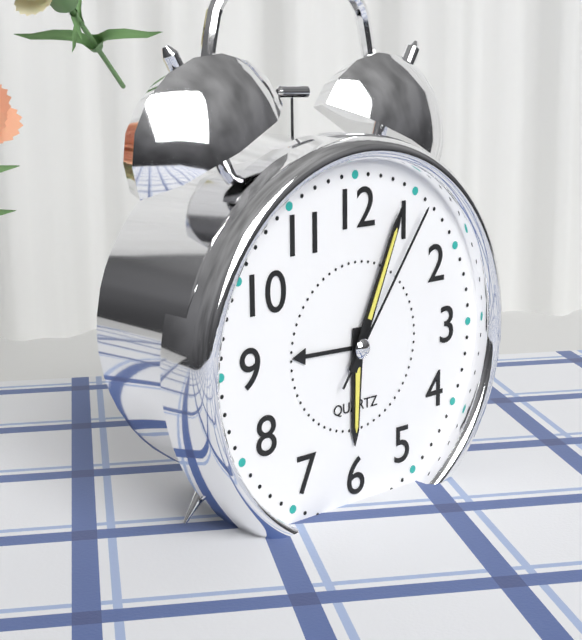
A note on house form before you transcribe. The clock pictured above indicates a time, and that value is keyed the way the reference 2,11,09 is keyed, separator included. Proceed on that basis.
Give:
6,04,06
